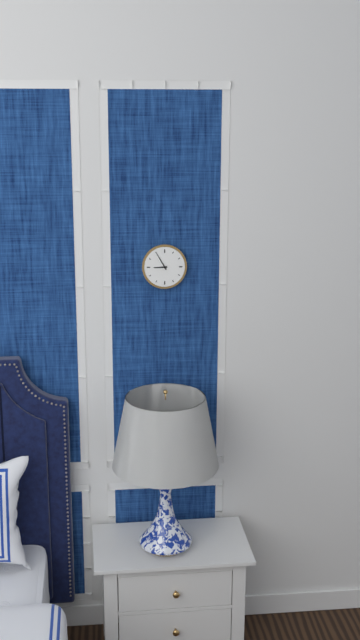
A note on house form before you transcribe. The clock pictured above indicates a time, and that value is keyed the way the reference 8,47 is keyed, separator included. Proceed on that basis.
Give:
8,55
